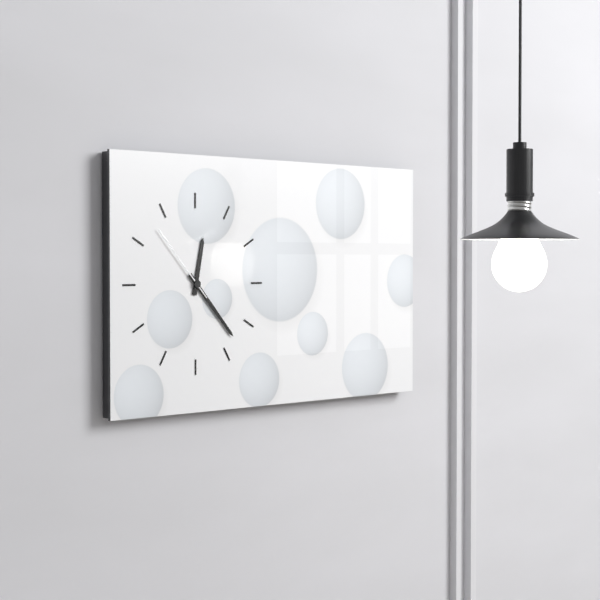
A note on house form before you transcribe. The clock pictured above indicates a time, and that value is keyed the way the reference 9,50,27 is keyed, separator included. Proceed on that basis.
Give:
12,23,53
